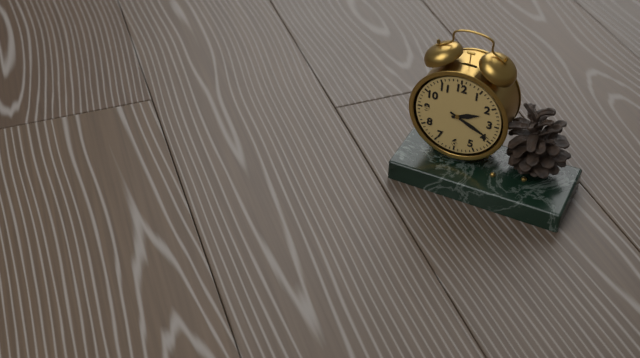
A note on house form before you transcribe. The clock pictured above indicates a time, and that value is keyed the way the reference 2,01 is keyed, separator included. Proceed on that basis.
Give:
2,19
